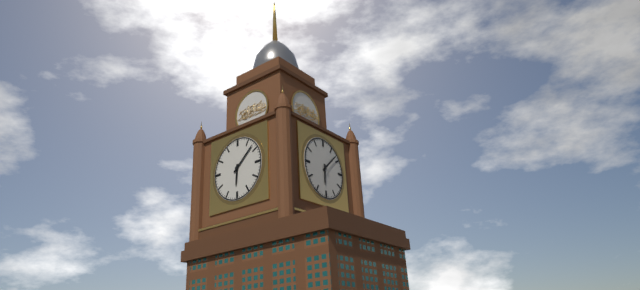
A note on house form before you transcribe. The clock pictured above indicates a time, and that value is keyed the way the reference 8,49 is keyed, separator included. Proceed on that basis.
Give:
6,08
